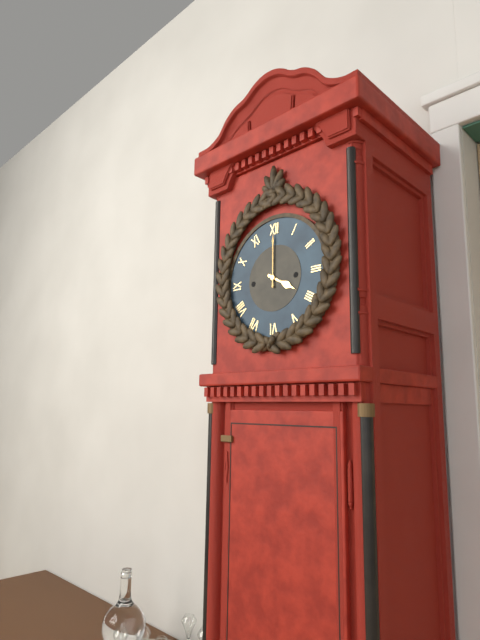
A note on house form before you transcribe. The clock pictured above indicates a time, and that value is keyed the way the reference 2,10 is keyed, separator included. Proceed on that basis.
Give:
4,00
